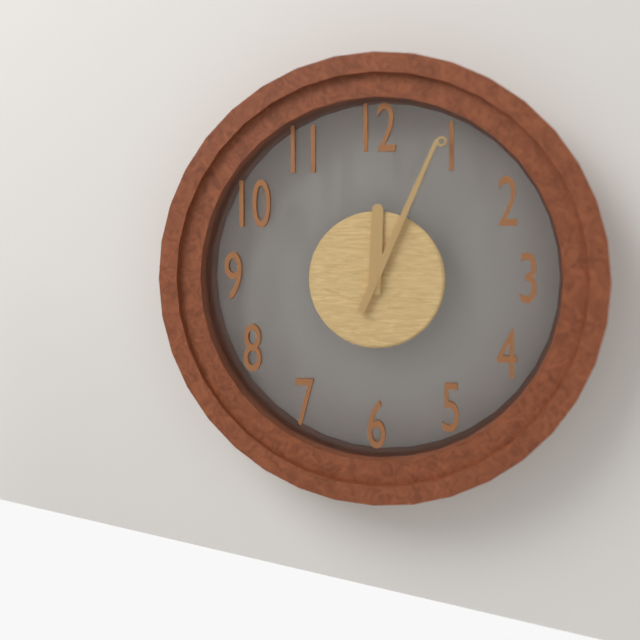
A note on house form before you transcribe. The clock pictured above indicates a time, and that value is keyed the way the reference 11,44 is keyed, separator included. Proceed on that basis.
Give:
12,04
